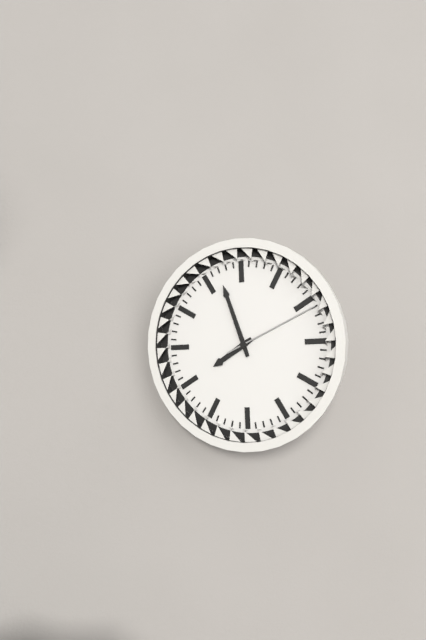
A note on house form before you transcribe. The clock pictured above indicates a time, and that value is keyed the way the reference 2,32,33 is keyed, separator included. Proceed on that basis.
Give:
7,57,11
